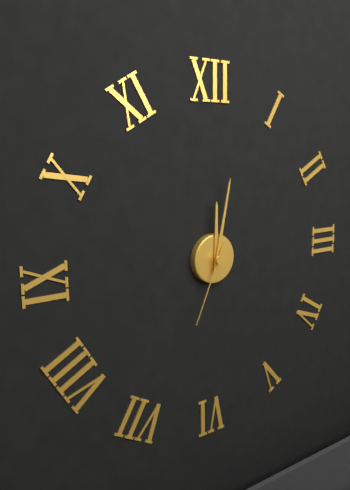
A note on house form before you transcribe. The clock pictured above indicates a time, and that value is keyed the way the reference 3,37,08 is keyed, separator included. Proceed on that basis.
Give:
12,02,34
